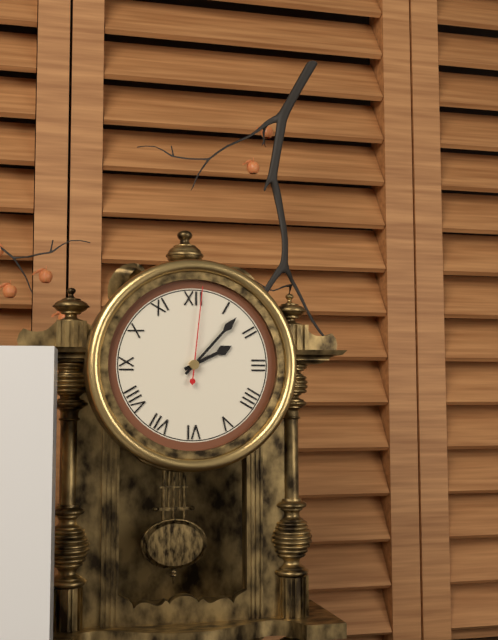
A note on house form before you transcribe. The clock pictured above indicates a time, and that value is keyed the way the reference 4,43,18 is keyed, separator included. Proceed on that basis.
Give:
2,07,01
